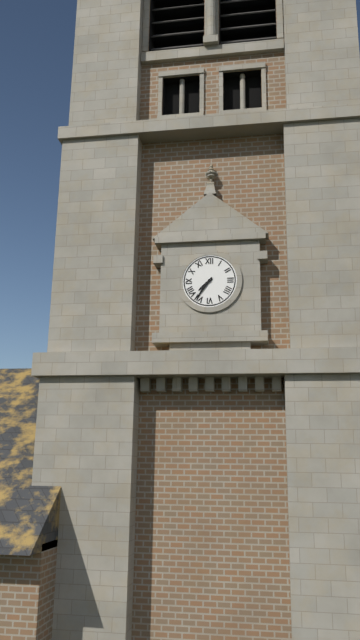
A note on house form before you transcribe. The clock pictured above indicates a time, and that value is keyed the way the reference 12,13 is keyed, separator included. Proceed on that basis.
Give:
7,36
